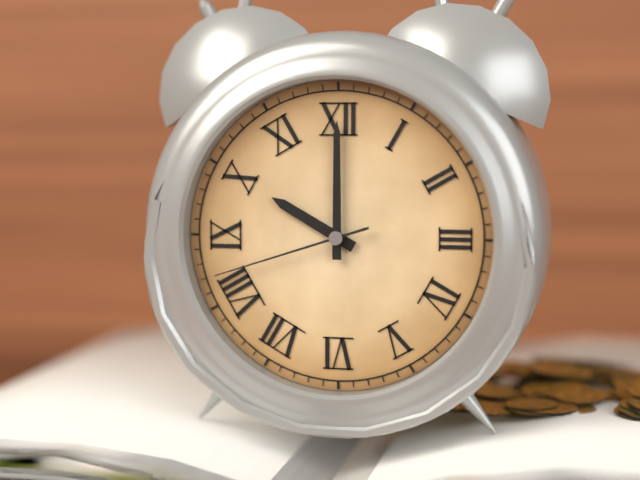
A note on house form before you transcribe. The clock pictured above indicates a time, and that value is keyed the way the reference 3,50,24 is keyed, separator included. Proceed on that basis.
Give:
10,00,42
